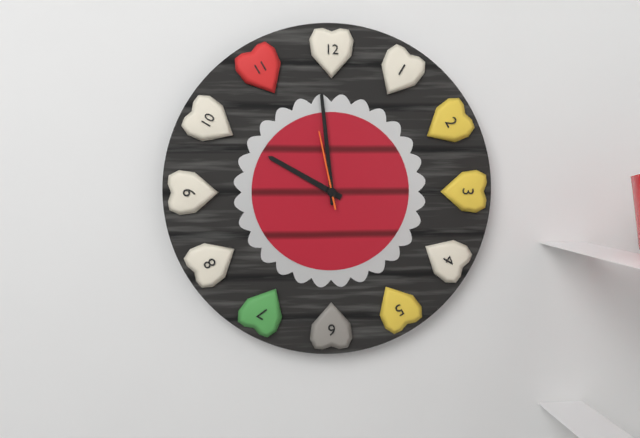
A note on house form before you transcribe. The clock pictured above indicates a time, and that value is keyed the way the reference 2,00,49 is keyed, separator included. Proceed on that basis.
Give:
9,59,58
